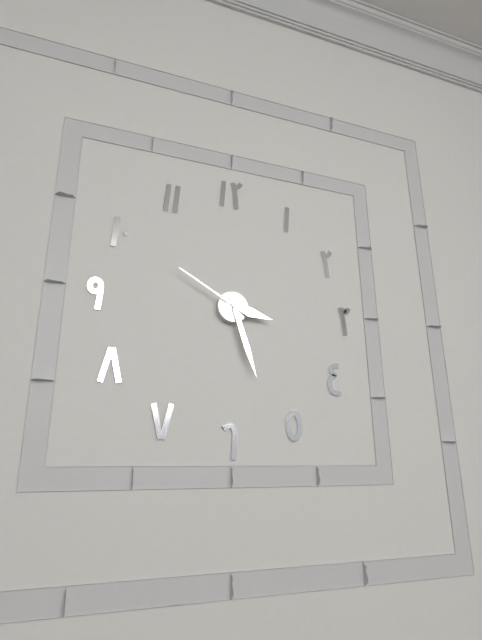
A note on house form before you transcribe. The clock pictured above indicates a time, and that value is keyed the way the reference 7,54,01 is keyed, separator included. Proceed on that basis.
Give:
3,27,50
